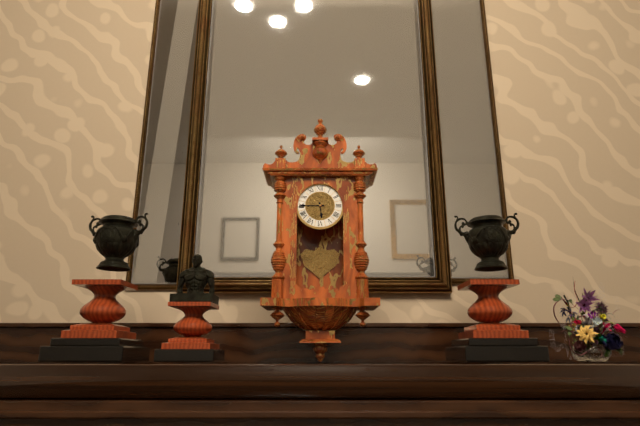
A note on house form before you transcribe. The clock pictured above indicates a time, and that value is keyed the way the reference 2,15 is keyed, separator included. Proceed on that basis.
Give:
5,45
